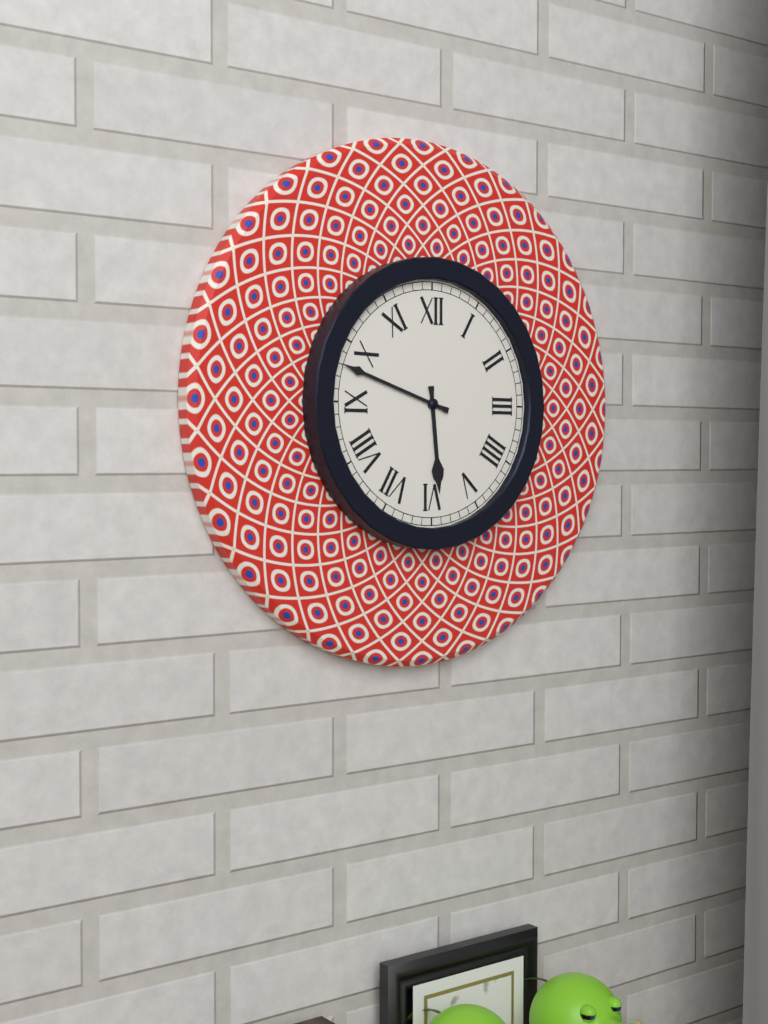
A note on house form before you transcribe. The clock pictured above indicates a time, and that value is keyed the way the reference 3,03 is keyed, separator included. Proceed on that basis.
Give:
5,48
